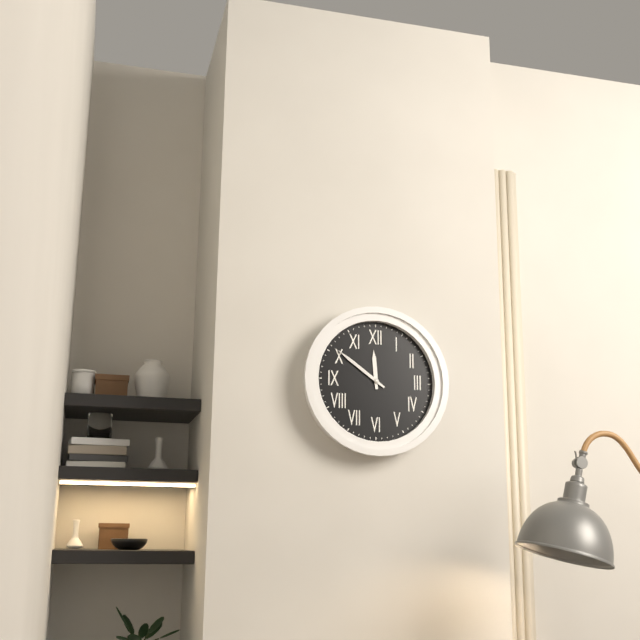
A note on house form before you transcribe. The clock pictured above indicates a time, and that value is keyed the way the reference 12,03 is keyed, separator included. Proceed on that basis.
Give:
11,51
